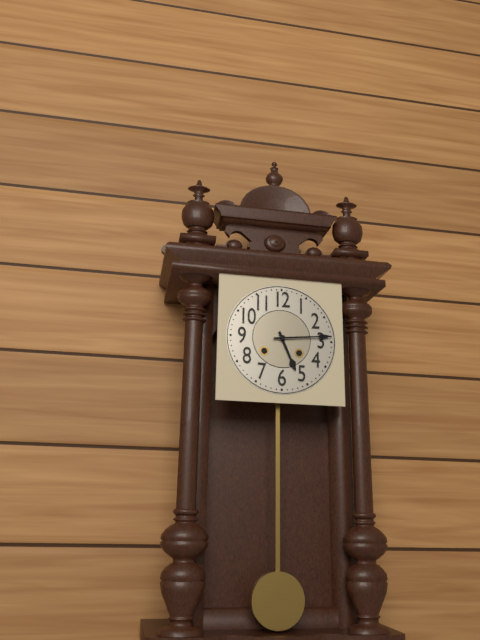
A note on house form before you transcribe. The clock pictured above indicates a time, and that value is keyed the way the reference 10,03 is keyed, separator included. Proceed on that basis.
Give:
5,14
